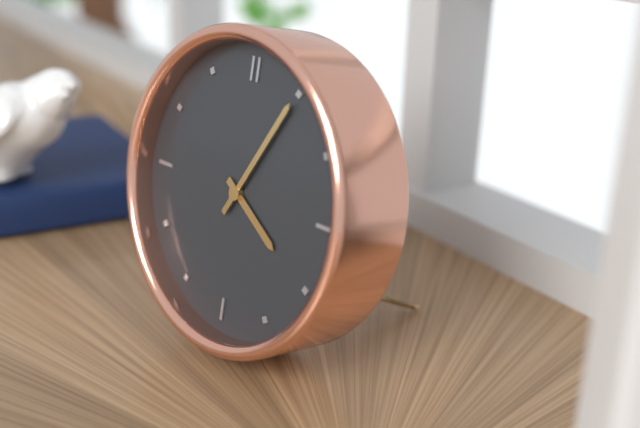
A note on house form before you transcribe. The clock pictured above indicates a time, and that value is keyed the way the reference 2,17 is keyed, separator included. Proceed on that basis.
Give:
4,05
